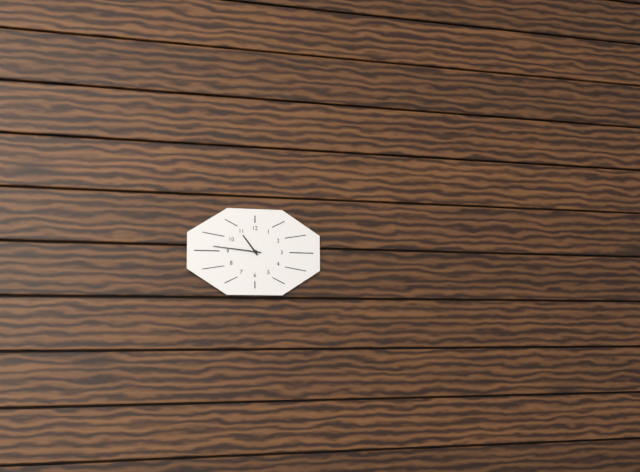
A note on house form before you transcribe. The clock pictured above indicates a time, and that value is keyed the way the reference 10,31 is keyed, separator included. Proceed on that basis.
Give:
10,46
